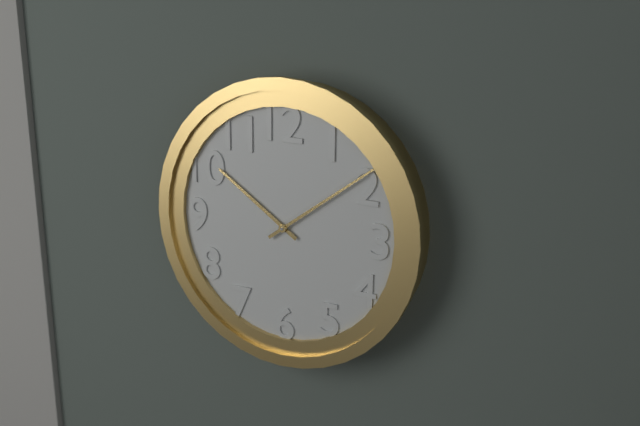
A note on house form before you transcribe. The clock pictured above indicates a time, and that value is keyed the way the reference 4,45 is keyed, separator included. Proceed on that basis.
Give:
10,09
